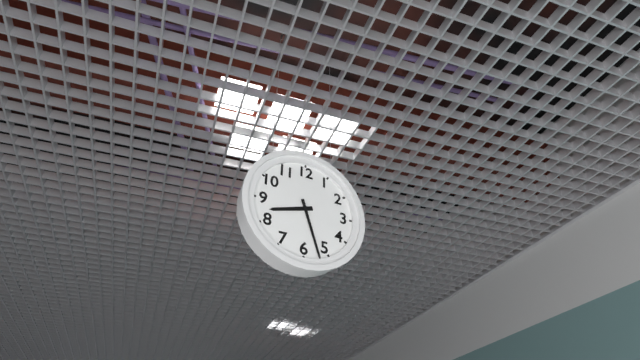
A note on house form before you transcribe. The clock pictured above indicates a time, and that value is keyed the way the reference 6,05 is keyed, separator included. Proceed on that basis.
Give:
8,27
